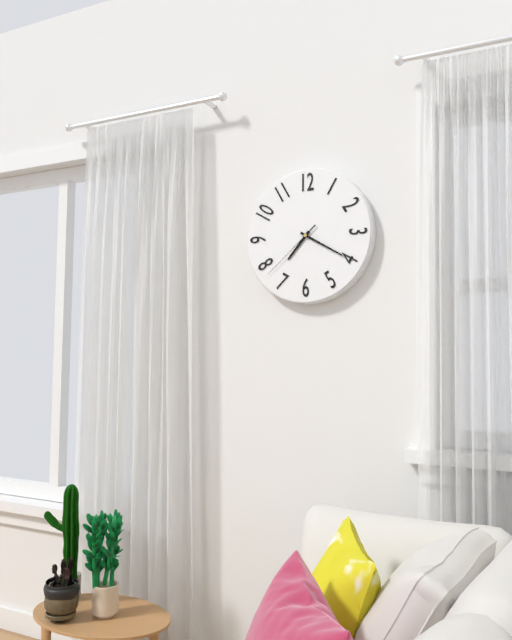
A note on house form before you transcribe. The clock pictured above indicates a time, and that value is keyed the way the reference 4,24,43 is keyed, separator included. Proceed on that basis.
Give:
7,20,38
